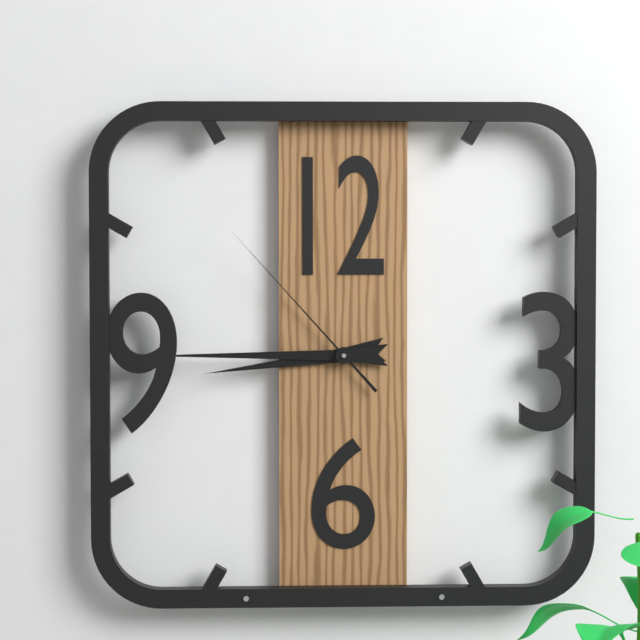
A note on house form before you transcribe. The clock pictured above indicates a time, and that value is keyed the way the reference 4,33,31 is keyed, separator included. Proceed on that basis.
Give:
8,45,53
